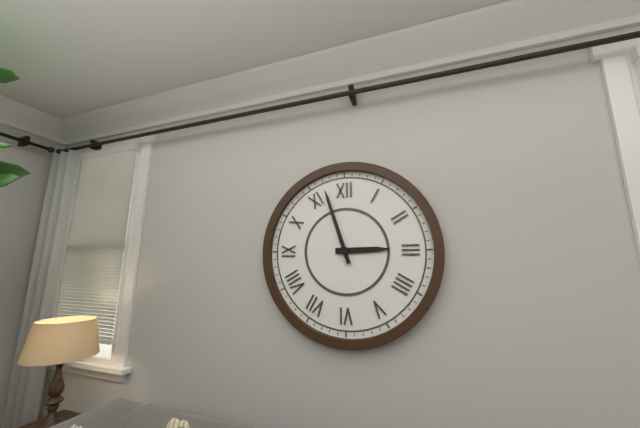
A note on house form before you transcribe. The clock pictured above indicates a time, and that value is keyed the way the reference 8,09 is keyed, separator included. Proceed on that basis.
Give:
2,57
